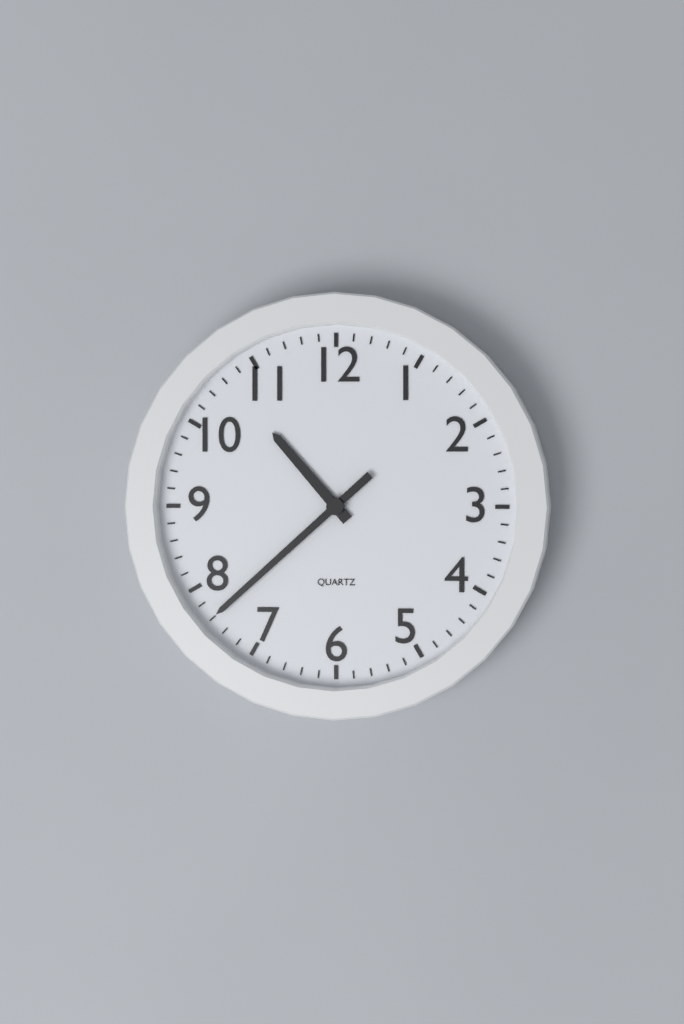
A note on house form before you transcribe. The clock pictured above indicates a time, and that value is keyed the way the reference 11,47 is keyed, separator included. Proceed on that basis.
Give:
10,38
